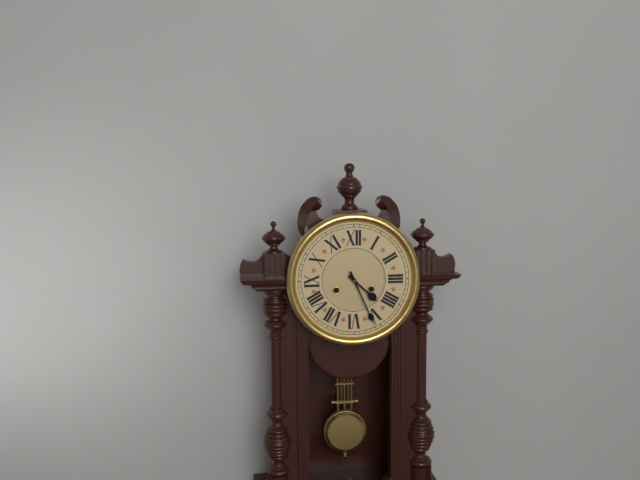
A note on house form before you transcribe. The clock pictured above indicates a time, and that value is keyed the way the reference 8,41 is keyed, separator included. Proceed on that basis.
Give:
4,26
